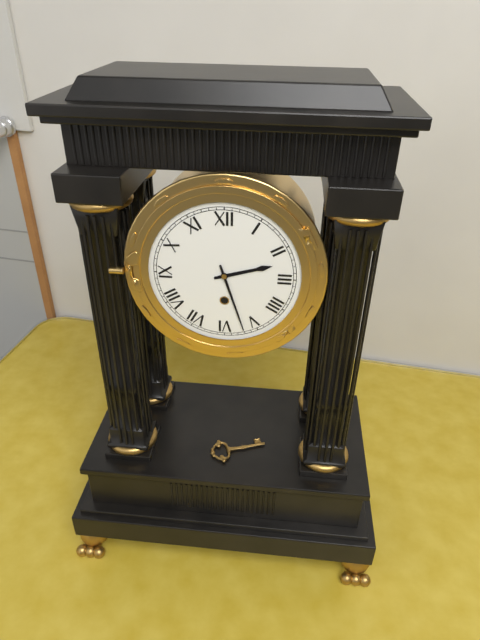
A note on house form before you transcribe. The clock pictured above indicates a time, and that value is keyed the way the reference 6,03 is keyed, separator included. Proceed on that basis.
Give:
2,27
